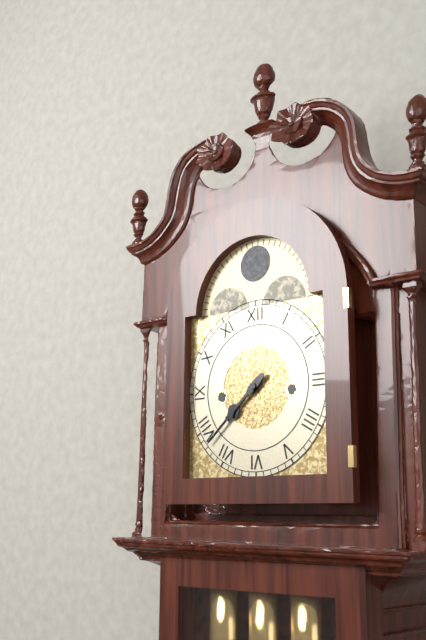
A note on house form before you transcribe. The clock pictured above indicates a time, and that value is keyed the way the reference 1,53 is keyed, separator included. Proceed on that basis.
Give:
7,38
